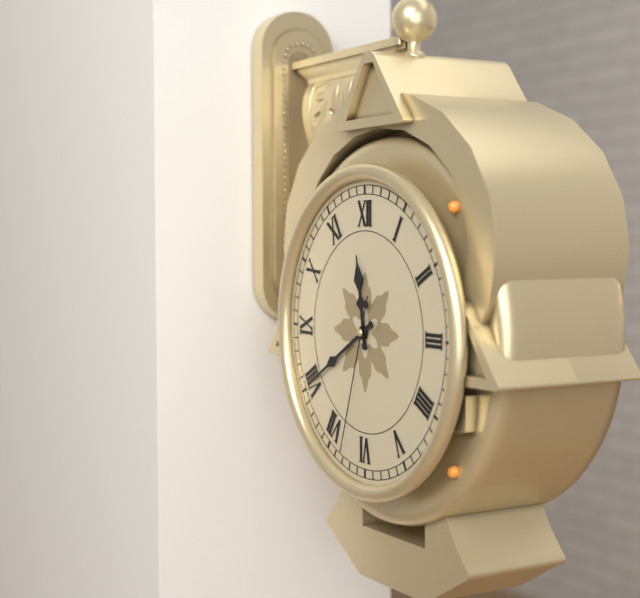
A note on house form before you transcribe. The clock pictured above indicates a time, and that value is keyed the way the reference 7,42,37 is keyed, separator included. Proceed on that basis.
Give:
11,40,33
